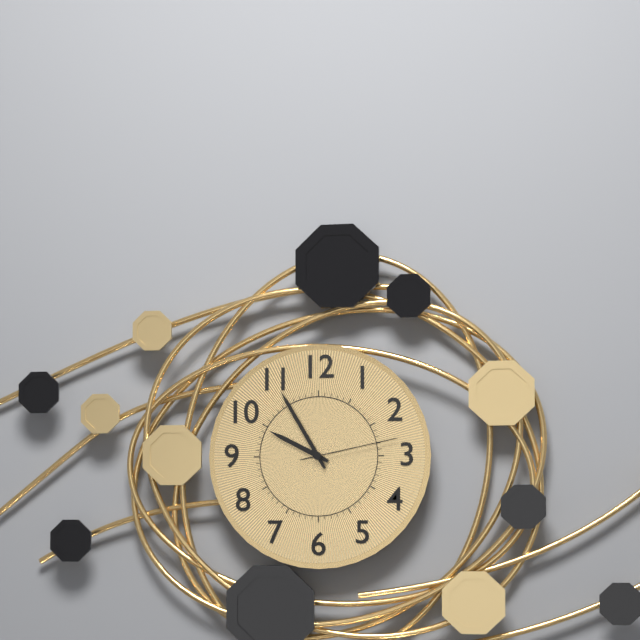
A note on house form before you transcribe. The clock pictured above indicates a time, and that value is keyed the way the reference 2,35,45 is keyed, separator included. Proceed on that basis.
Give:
9,55,13
